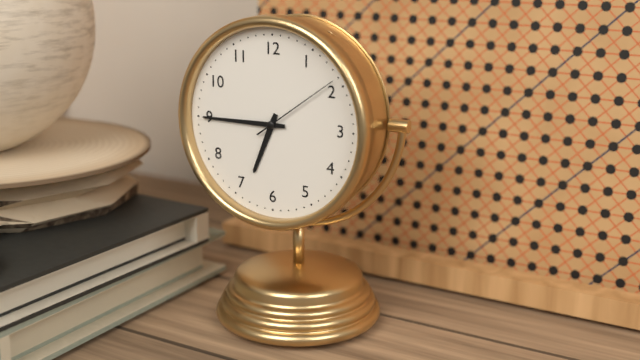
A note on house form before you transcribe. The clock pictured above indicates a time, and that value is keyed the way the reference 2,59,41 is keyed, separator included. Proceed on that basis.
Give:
6,45,09
